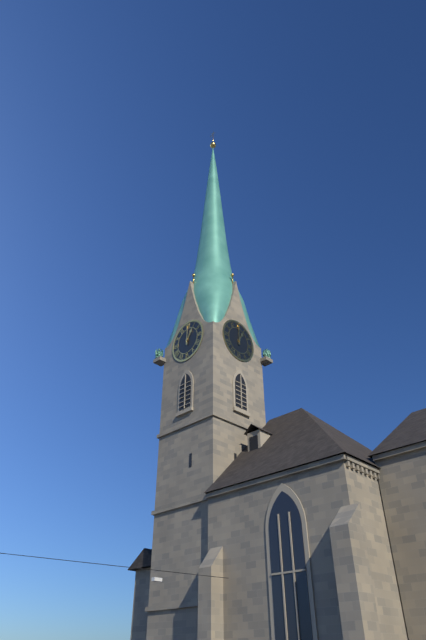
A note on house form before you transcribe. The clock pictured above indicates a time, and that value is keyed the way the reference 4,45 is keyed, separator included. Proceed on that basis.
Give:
1,00
